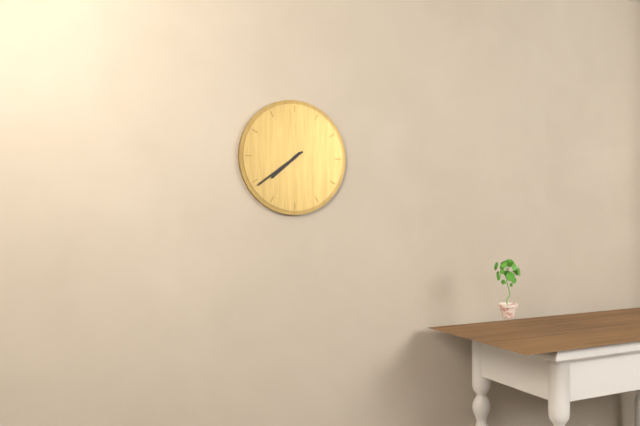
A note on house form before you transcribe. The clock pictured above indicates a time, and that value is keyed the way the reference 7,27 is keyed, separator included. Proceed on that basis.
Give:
7,39
